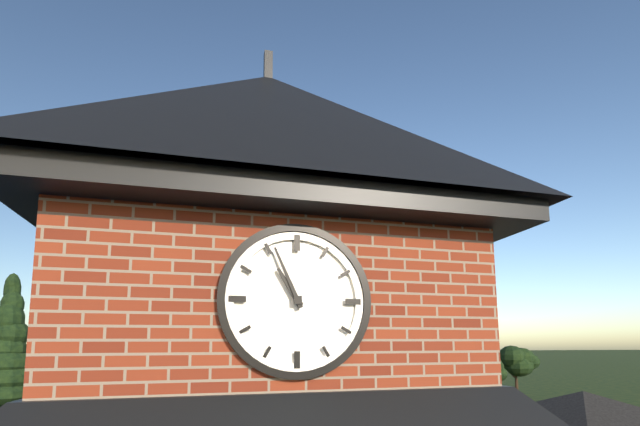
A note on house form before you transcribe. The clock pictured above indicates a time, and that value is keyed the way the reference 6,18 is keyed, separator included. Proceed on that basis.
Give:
10,56
